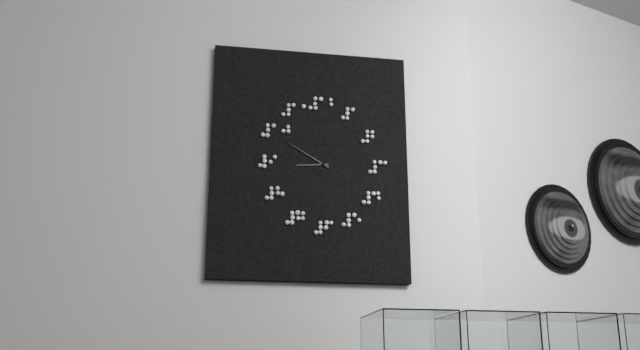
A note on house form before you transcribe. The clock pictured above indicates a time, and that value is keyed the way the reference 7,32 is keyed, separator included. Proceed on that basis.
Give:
8,50
